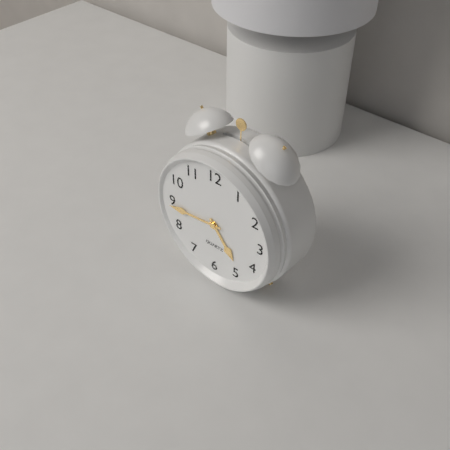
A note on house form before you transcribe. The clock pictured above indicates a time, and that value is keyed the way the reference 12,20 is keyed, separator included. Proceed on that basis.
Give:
4,44
